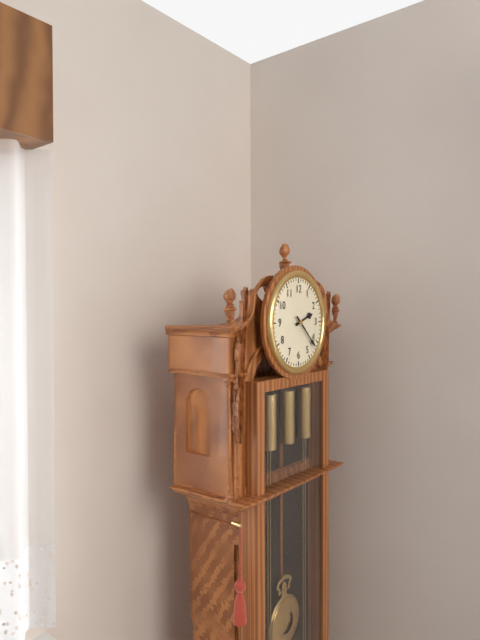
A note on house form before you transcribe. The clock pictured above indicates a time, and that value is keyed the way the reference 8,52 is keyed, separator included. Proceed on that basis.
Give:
2,22
